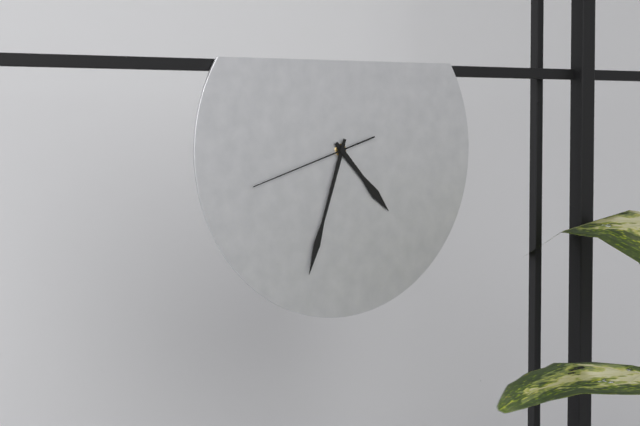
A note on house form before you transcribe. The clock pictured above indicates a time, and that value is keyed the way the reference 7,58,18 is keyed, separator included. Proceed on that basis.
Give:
4,33,42
